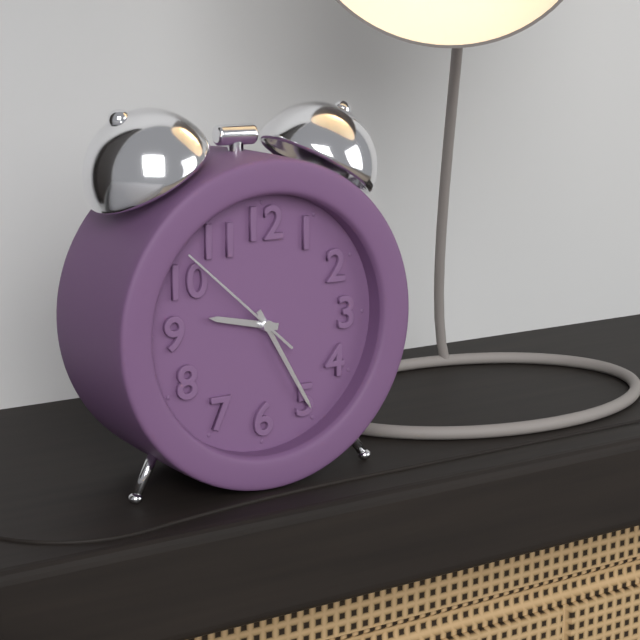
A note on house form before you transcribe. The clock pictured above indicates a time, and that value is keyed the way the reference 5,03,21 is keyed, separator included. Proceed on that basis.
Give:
9,25,52
